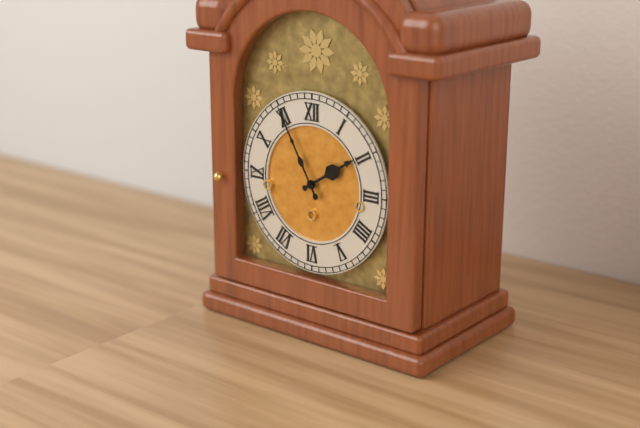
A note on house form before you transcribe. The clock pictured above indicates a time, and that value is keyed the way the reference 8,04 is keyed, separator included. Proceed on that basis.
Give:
1,55
